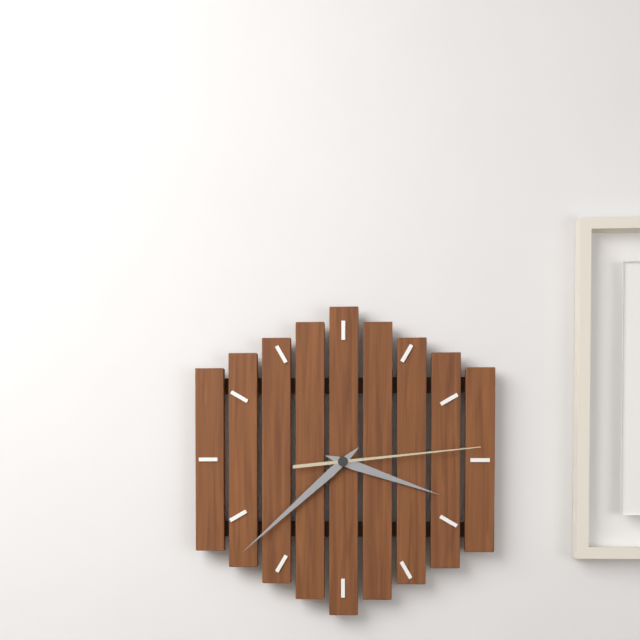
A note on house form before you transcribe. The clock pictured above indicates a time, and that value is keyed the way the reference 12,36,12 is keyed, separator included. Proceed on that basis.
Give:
3,38,14
